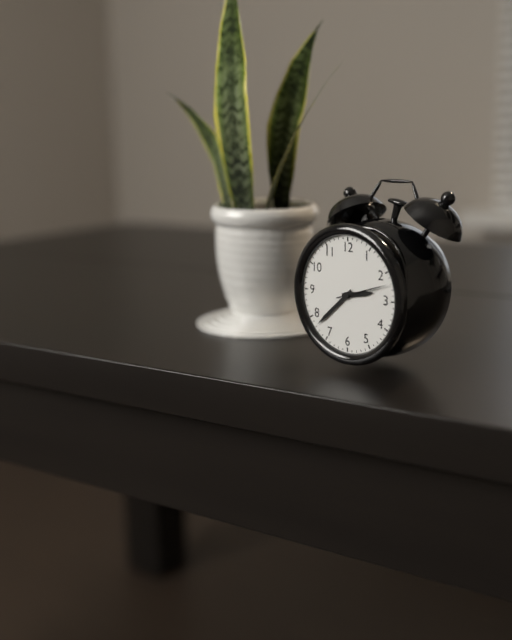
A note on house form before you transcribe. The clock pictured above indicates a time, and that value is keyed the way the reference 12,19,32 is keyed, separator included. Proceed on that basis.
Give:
2,38,12
